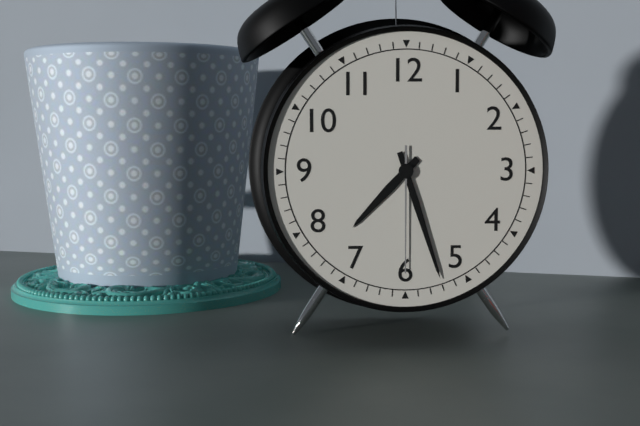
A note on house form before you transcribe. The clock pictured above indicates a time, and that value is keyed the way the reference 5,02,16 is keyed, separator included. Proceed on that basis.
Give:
7,27,30
